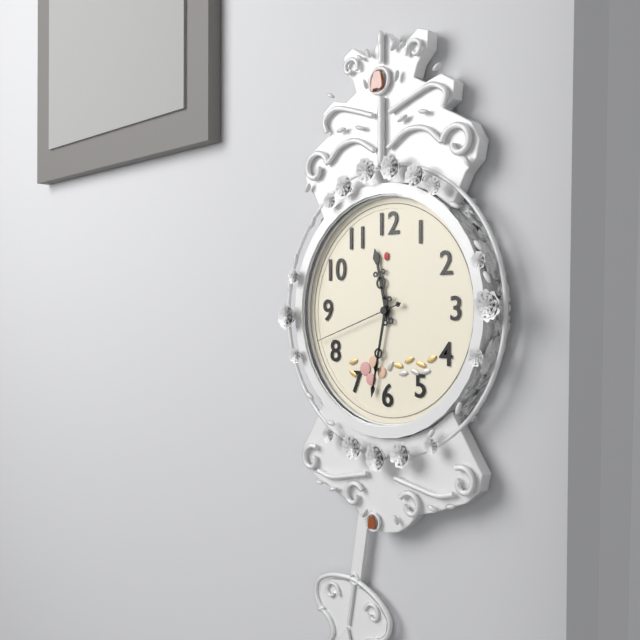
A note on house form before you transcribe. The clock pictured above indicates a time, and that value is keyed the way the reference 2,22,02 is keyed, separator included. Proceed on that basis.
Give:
11,32,42
